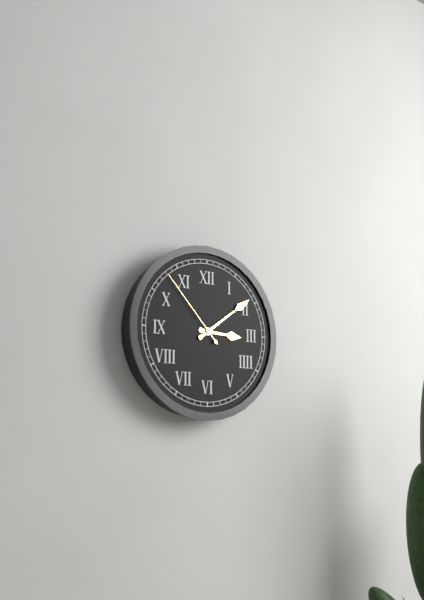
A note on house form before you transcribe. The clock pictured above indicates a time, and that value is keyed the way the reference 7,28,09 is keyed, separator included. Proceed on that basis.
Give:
3,09,53
